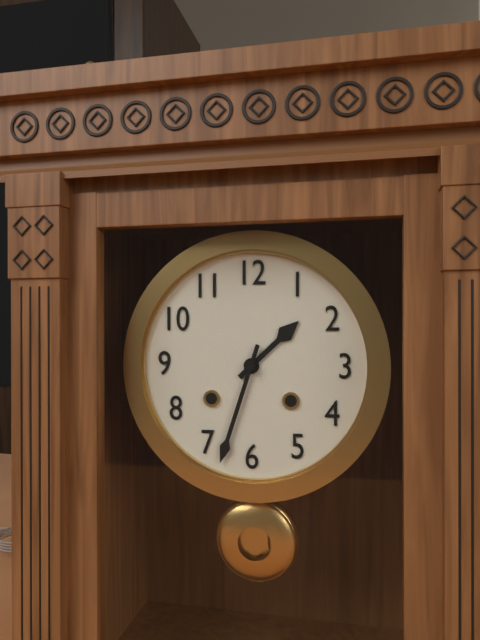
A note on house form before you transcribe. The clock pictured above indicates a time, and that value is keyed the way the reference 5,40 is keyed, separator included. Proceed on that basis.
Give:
1,33
